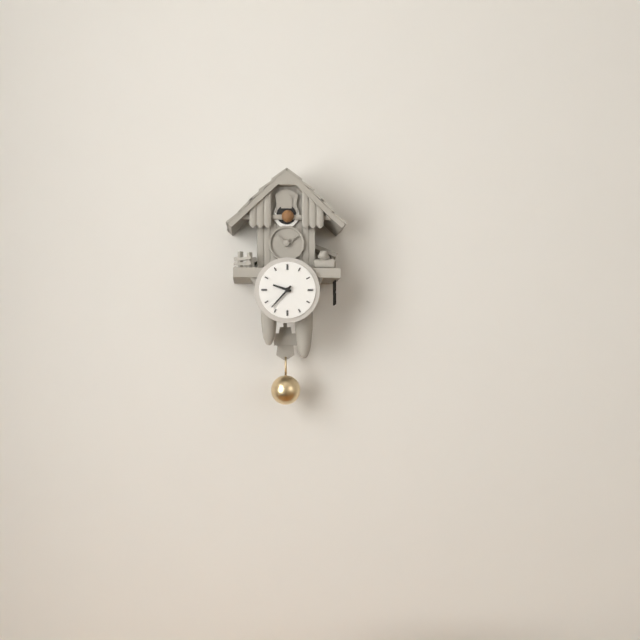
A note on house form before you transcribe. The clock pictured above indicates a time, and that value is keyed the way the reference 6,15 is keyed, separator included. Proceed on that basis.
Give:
9,37
